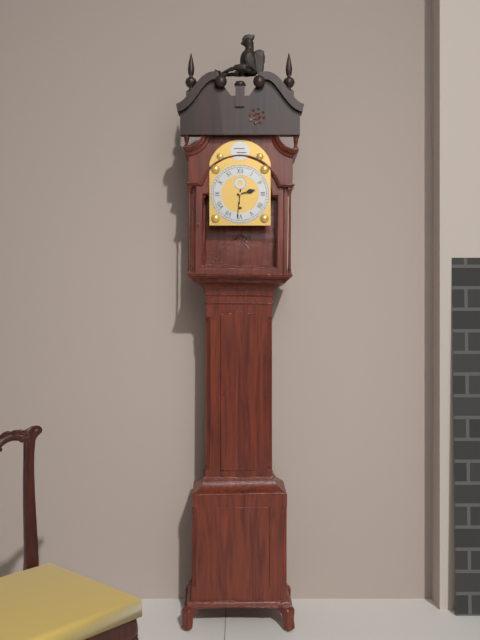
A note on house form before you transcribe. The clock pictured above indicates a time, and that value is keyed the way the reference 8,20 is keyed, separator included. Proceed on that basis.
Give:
2,31
